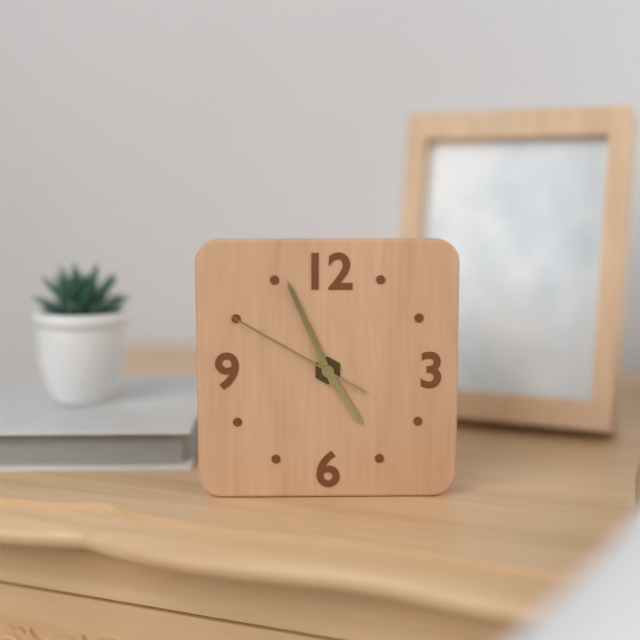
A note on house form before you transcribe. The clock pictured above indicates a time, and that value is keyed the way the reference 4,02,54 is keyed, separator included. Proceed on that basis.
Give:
4,56,50
